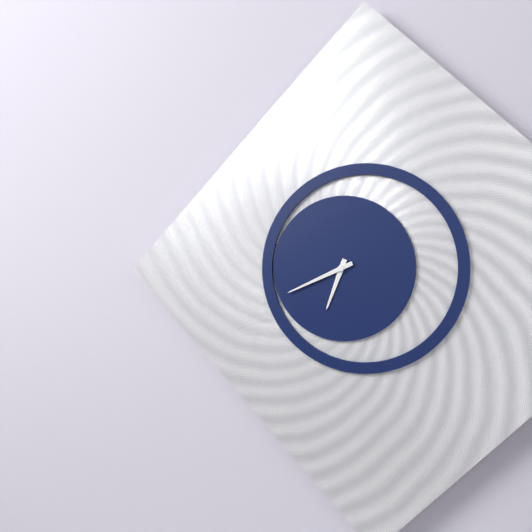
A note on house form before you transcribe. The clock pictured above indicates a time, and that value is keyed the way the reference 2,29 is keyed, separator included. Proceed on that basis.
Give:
6,41
